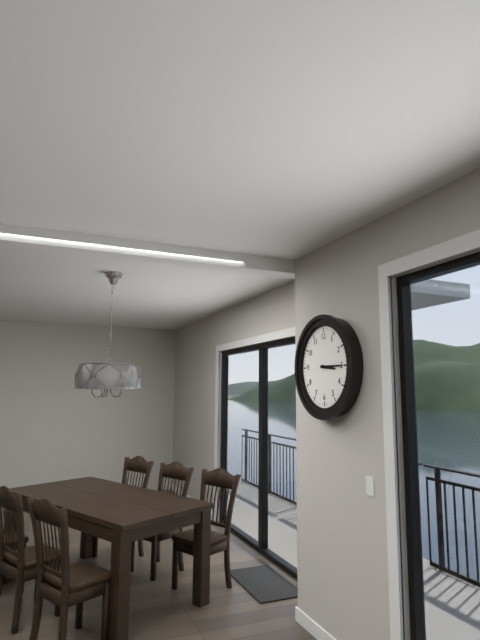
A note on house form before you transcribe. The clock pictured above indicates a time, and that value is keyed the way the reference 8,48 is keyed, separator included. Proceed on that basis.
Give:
3,15
